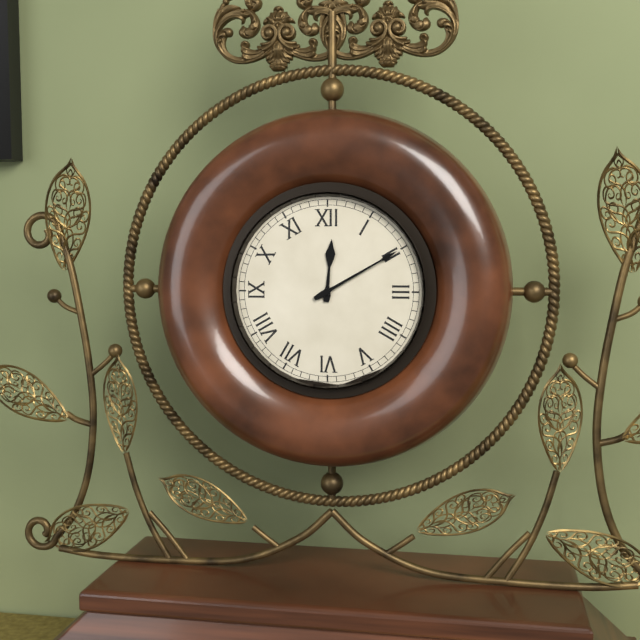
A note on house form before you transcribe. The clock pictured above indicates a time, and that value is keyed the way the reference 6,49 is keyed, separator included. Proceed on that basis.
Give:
12,10
